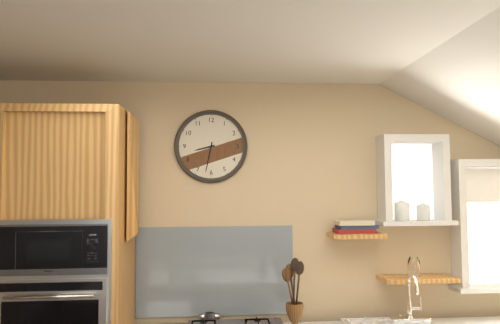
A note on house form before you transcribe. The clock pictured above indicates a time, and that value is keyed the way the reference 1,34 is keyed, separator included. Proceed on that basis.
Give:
8,32
